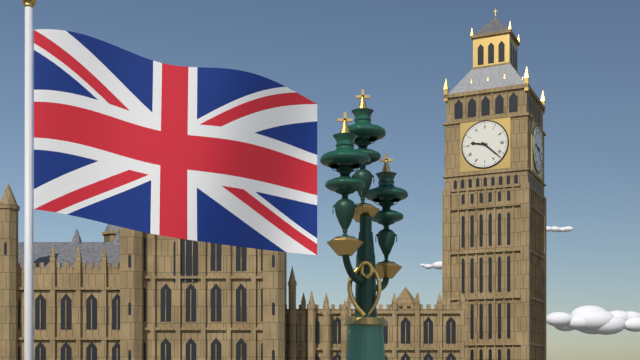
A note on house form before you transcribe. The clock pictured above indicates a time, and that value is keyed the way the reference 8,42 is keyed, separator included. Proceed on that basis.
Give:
9,22
